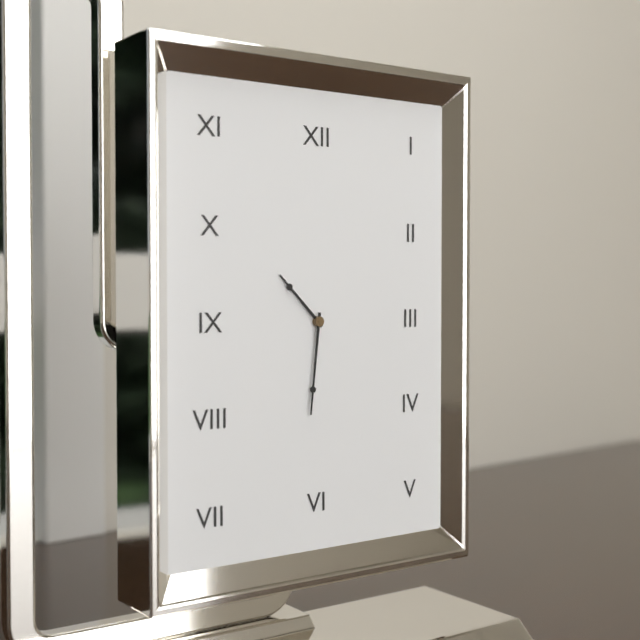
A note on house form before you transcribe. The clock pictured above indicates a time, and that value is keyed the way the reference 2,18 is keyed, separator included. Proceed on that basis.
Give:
10,31
